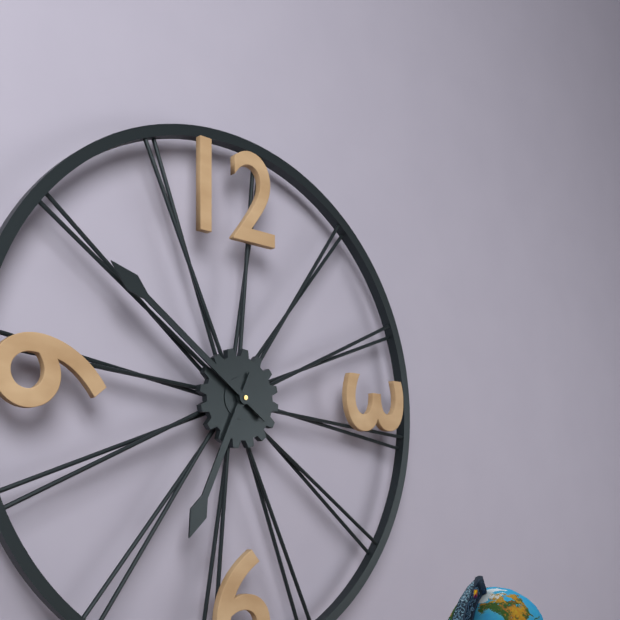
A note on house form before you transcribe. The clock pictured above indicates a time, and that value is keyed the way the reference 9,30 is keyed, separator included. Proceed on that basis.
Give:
6,51
